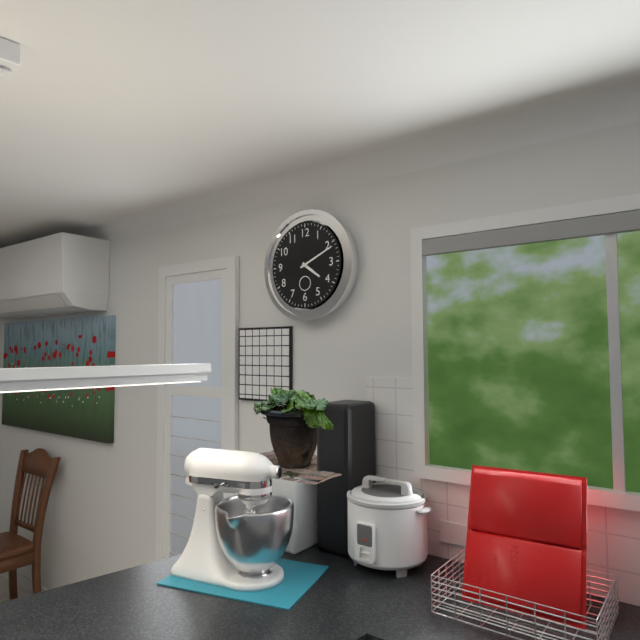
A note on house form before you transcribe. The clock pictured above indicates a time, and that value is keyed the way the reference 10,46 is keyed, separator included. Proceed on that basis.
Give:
4,11
